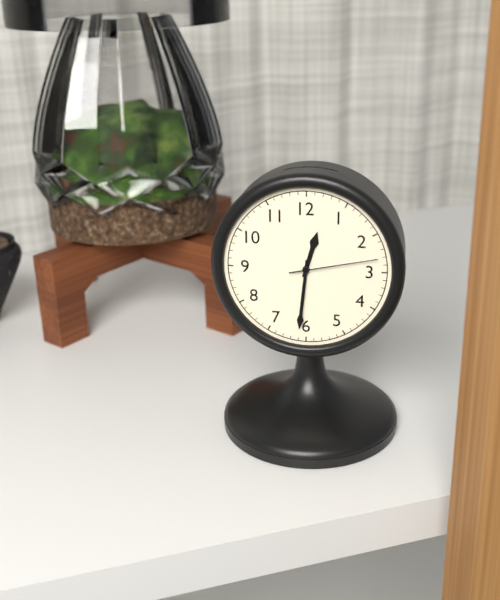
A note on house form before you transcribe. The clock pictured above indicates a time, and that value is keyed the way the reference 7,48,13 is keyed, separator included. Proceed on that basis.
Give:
12,31,13
